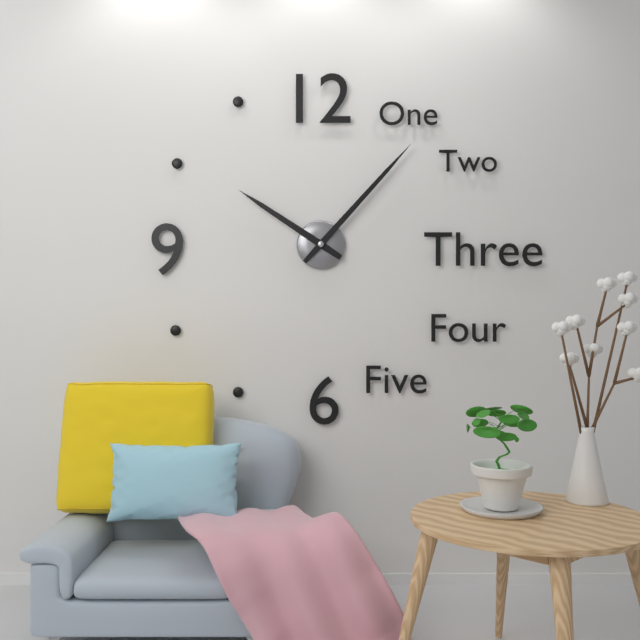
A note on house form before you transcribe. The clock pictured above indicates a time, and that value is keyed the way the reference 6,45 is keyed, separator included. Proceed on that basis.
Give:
10,07
